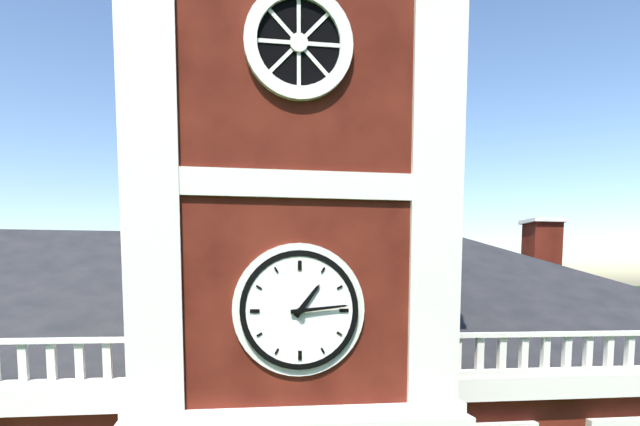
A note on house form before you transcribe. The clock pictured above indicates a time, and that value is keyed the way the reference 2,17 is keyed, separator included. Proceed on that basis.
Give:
1,14
